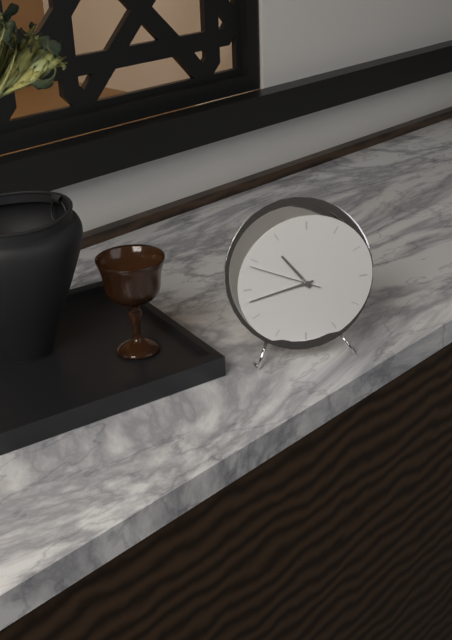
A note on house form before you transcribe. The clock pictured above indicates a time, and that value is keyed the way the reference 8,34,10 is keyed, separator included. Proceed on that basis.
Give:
10,43,49
